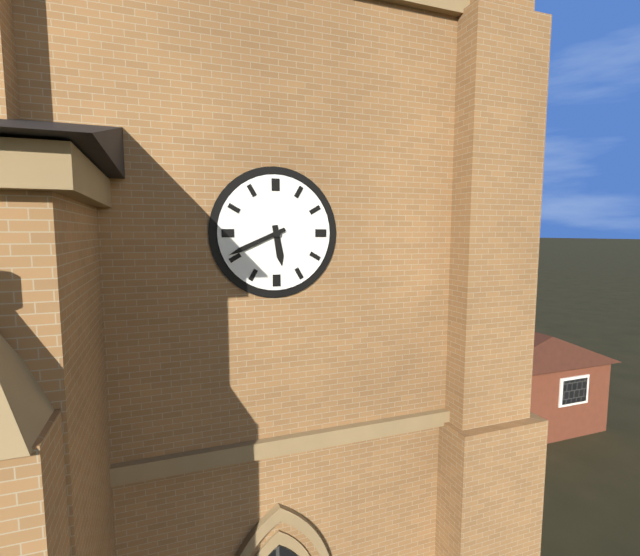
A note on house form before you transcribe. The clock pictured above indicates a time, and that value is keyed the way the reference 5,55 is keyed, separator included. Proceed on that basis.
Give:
5,41
